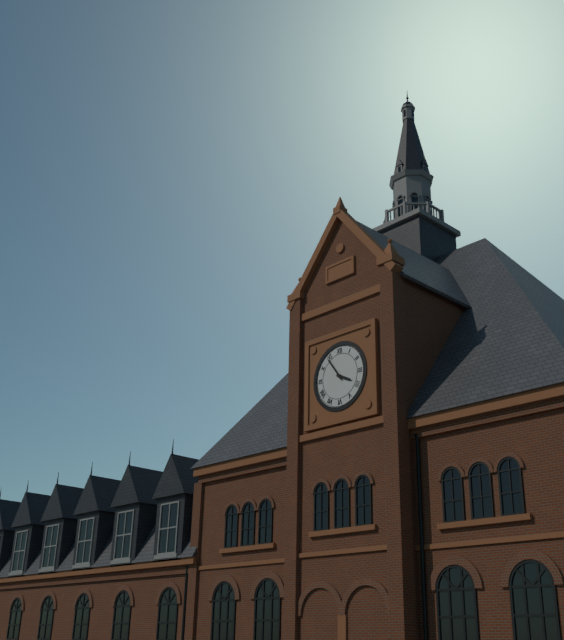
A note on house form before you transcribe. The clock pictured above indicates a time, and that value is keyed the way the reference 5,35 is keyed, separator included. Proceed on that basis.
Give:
3,54
